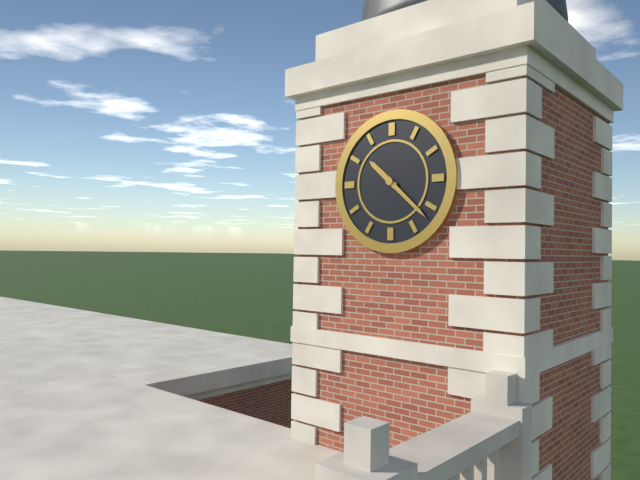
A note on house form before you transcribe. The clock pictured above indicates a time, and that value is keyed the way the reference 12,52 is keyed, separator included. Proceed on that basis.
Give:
10,22
